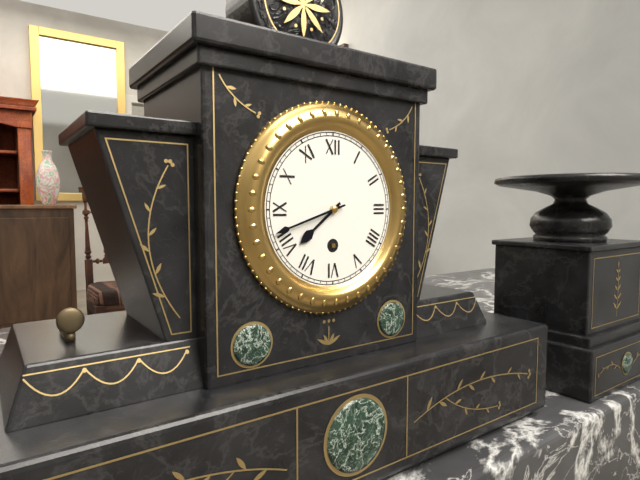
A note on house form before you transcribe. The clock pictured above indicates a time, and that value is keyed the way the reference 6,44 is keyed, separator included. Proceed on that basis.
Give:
7,42
